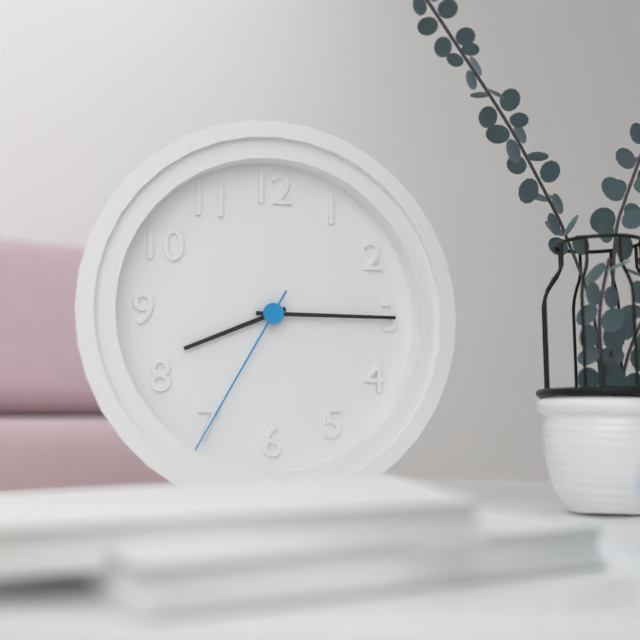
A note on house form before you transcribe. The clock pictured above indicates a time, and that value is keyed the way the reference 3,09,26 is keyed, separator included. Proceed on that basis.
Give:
8,15,35
